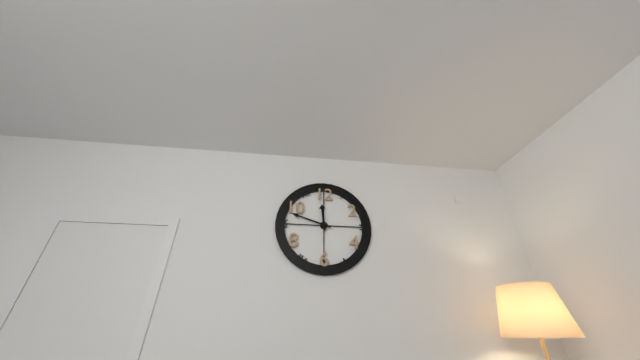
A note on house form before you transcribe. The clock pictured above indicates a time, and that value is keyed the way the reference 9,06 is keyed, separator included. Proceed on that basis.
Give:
11,48
